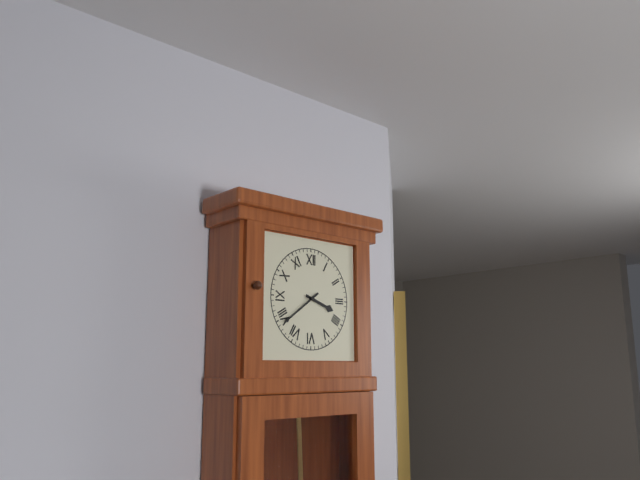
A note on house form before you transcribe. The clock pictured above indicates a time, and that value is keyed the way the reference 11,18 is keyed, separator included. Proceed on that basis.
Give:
3,39
